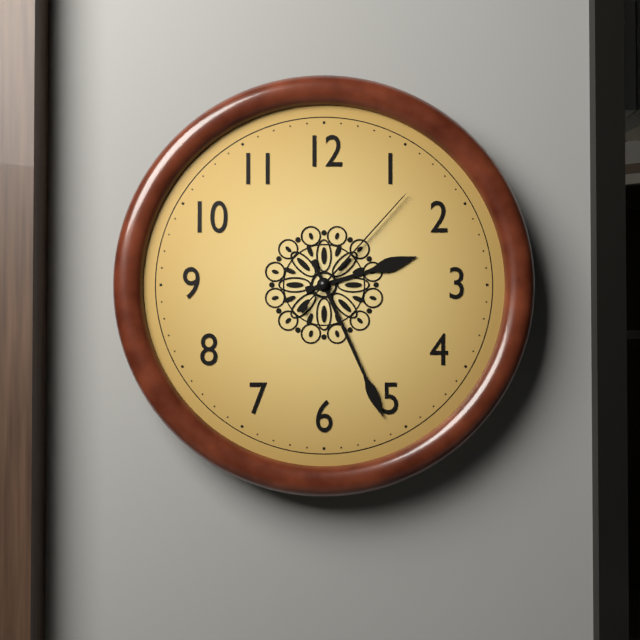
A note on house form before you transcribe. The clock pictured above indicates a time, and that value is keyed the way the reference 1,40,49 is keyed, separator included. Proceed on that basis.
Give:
2,26,07
